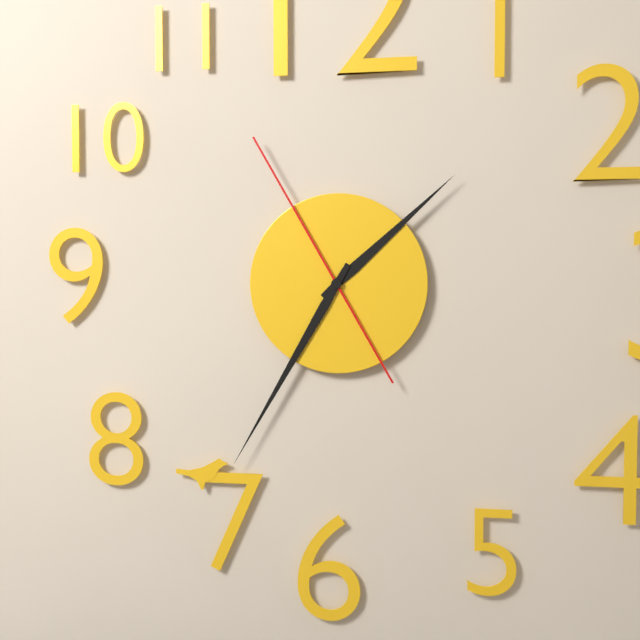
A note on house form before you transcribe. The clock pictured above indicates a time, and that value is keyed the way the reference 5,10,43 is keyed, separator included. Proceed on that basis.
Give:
1,35,55
